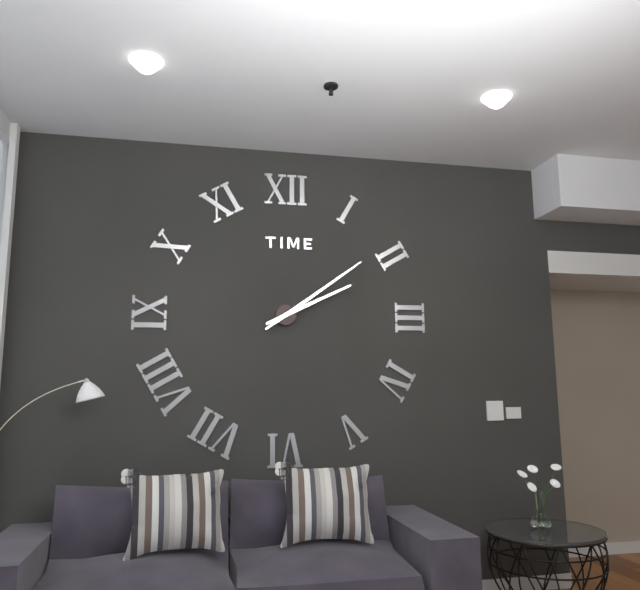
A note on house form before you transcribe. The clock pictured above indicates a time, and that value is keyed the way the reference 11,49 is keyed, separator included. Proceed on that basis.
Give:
2,09
